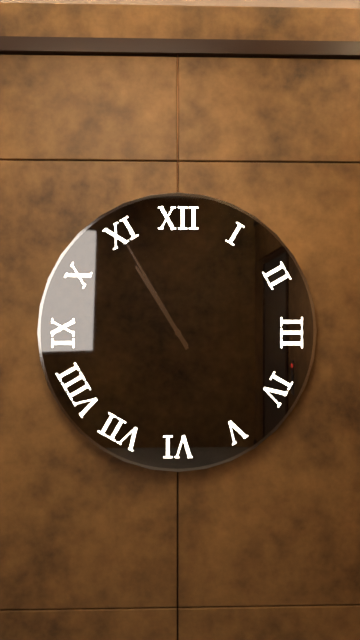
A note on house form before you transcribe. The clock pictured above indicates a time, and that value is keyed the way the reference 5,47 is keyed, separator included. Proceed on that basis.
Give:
10,55
